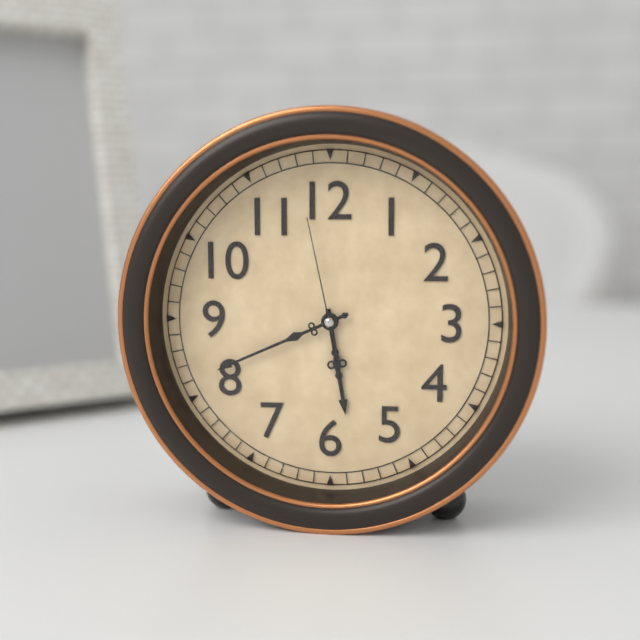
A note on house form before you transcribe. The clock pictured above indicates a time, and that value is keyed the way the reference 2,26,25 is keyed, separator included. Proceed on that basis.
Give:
5,41,58
